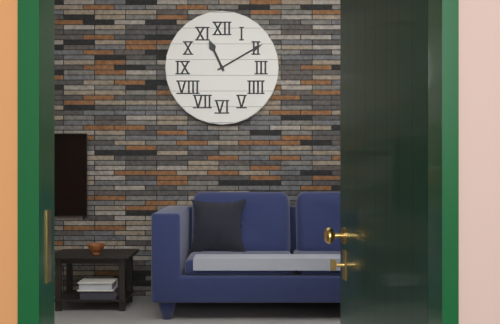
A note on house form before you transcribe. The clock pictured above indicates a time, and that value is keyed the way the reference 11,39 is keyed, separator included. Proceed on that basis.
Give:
11,10
